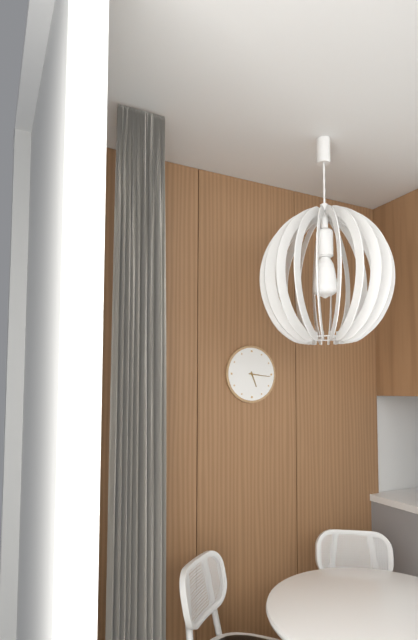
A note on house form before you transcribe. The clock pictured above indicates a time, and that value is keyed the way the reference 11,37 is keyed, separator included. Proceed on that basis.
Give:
5,16
